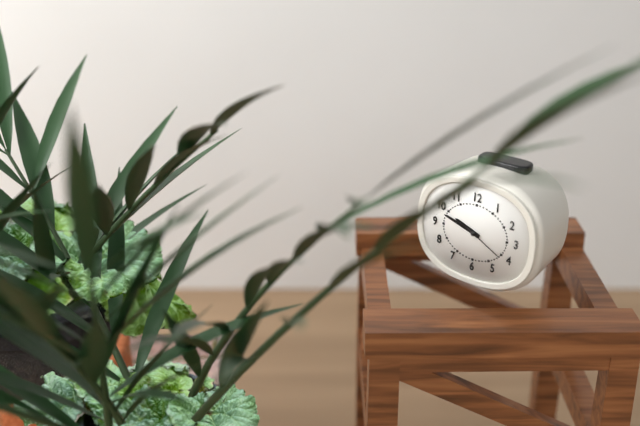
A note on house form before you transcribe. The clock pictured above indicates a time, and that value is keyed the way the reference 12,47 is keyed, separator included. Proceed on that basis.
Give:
9,48
